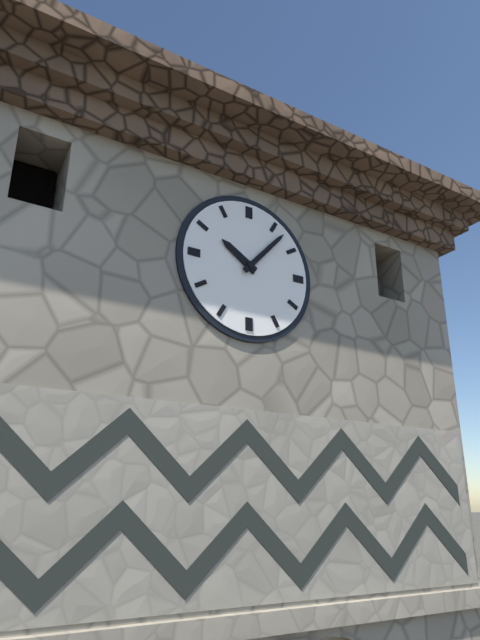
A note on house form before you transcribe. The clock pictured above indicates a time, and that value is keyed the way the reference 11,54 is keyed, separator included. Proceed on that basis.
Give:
10,07
